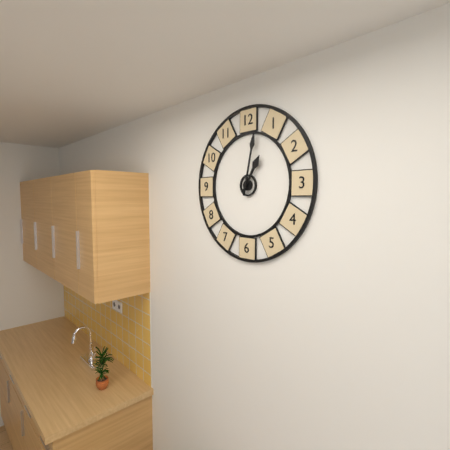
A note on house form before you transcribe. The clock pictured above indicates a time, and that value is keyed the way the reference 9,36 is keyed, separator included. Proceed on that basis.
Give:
1,02
